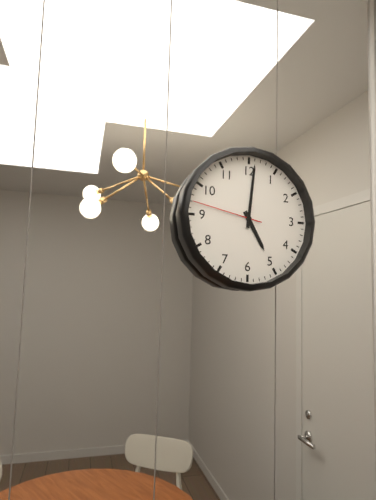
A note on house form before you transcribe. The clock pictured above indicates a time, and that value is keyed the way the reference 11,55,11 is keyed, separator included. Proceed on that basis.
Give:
5,01,47
